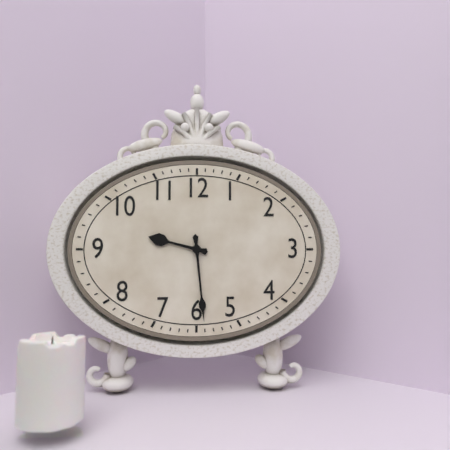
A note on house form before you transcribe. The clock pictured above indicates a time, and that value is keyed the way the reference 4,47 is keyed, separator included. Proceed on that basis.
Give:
9,29
